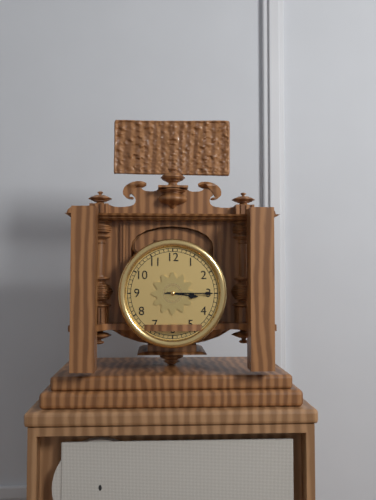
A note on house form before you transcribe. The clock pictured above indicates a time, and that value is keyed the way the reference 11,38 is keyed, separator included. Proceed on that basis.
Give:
3,15
